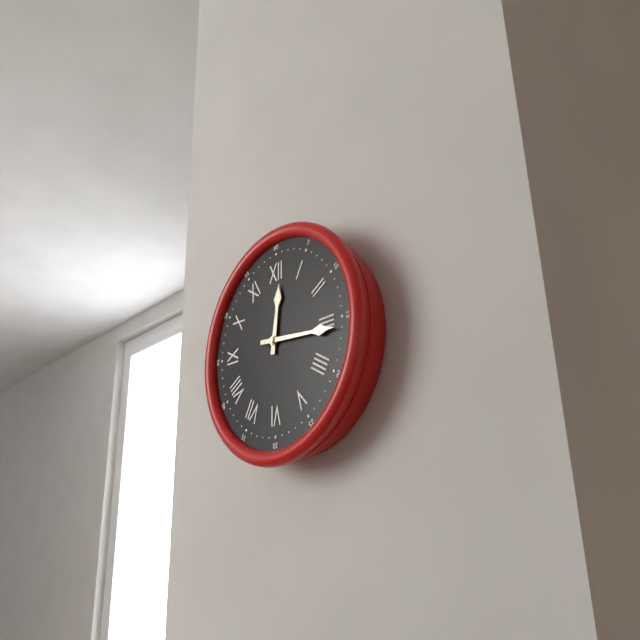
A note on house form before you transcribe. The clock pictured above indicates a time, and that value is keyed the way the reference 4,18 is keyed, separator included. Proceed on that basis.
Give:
12,16
